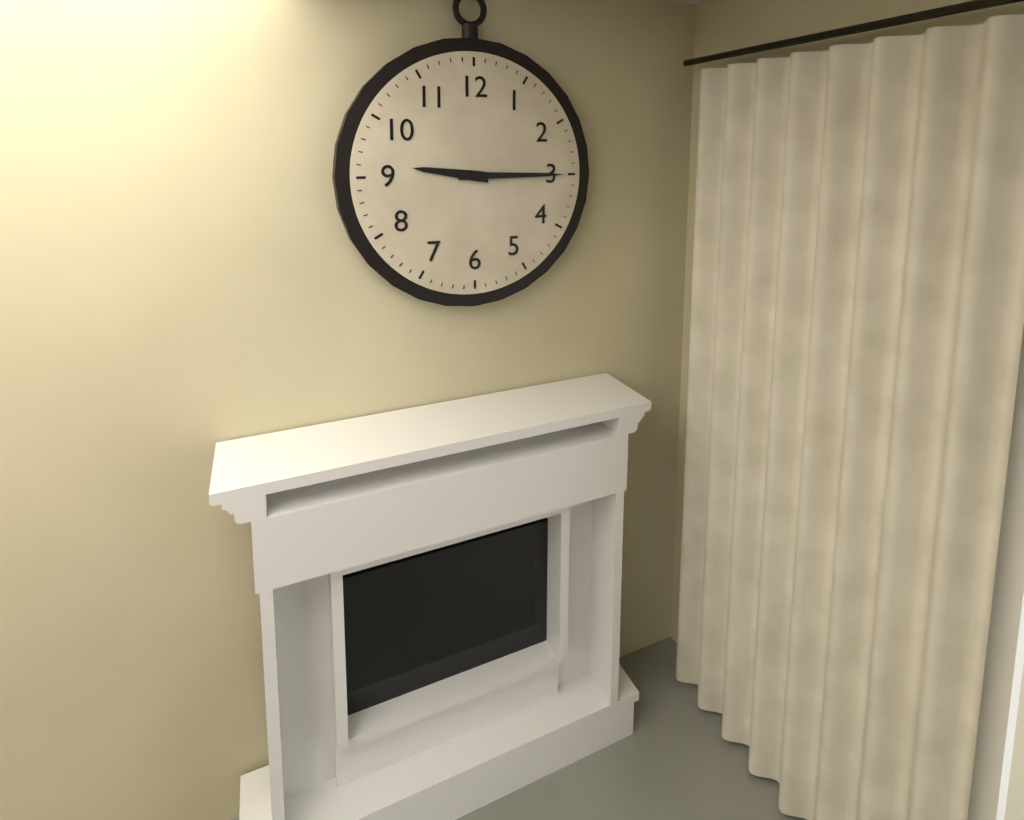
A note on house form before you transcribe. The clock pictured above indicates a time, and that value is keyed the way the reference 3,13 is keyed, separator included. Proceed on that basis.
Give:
9,15
